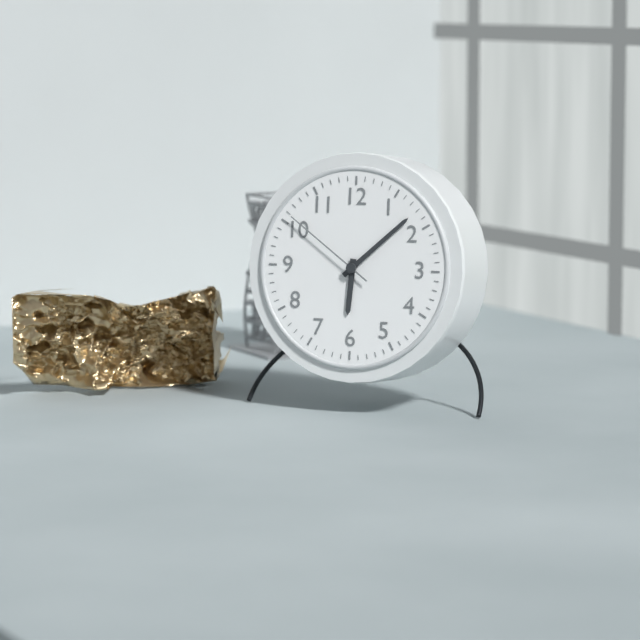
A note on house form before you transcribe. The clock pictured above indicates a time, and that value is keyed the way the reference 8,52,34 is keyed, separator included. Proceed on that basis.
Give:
6,08,51
